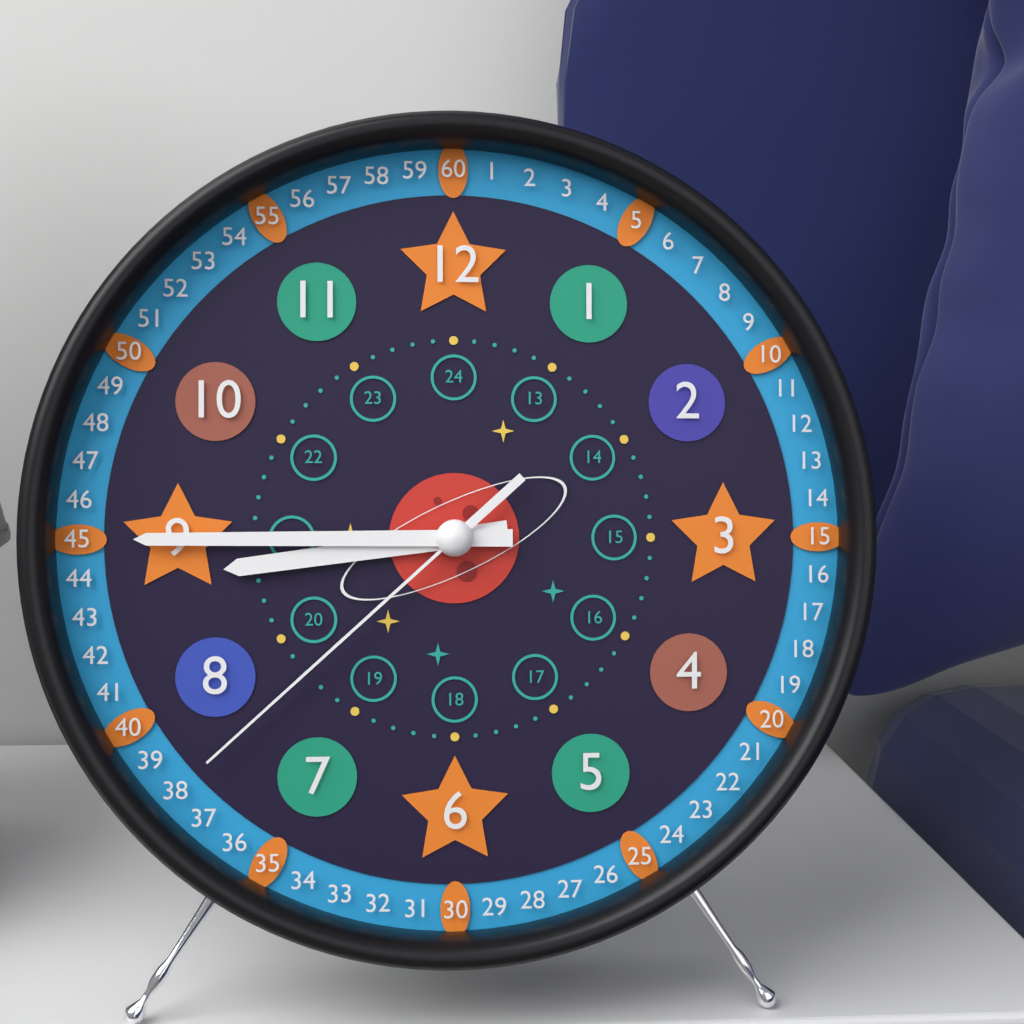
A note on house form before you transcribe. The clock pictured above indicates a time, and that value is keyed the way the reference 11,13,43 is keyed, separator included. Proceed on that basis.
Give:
8,45,38
